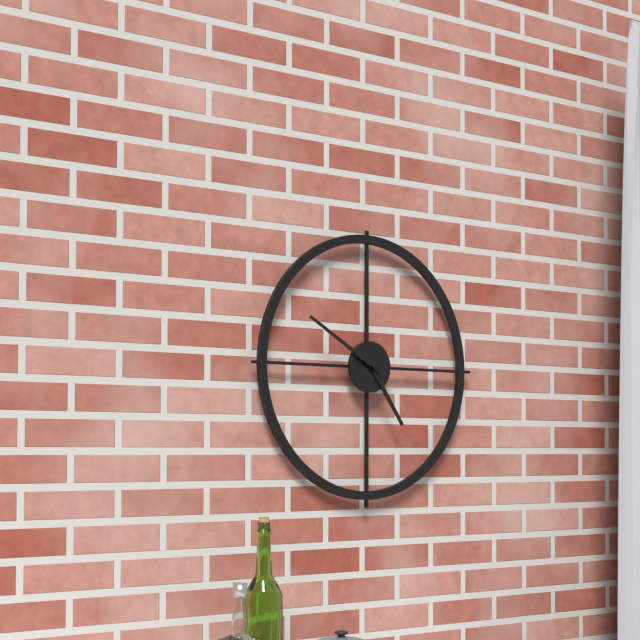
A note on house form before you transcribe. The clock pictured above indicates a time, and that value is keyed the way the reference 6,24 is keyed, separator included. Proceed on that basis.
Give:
4,50
